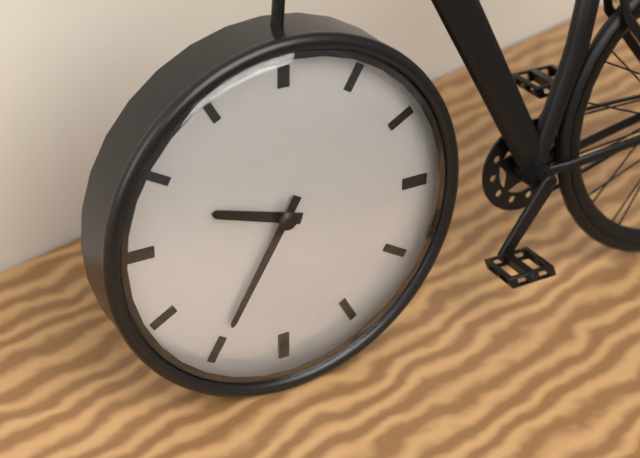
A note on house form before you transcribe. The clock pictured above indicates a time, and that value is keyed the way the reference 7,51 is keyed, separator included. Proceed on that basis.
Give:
9,35
